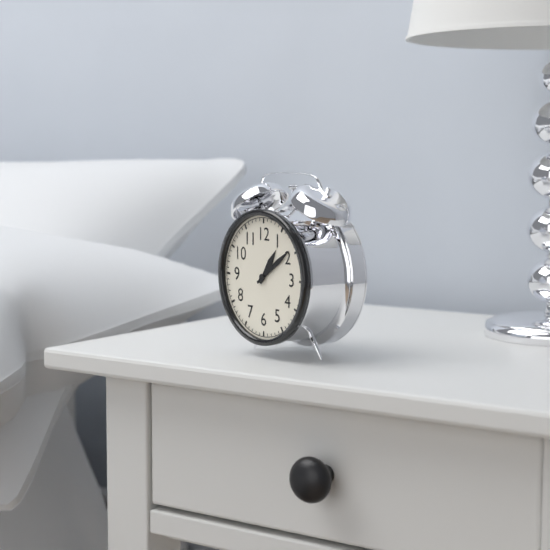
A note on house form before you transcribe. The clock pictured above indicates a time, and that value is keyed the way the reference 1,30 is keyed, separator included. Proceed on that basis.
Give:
1,09
